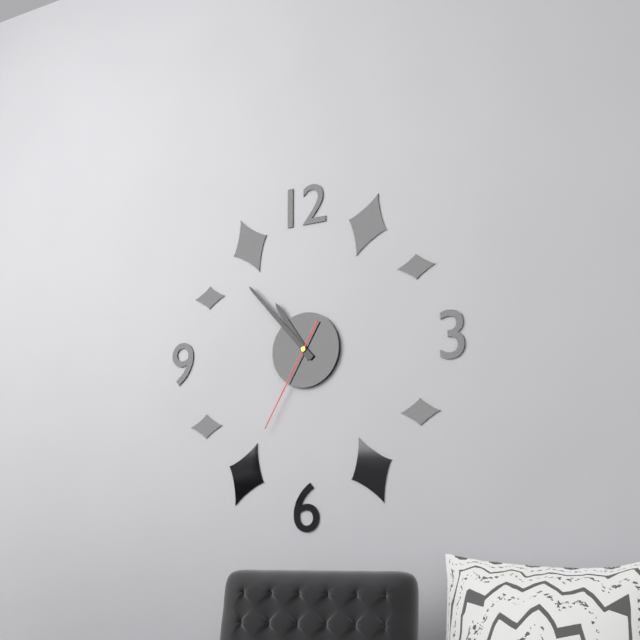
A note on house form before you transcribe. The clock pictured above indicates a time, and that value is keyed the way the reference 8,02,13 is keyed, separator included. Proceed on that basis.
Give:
10,53,35
